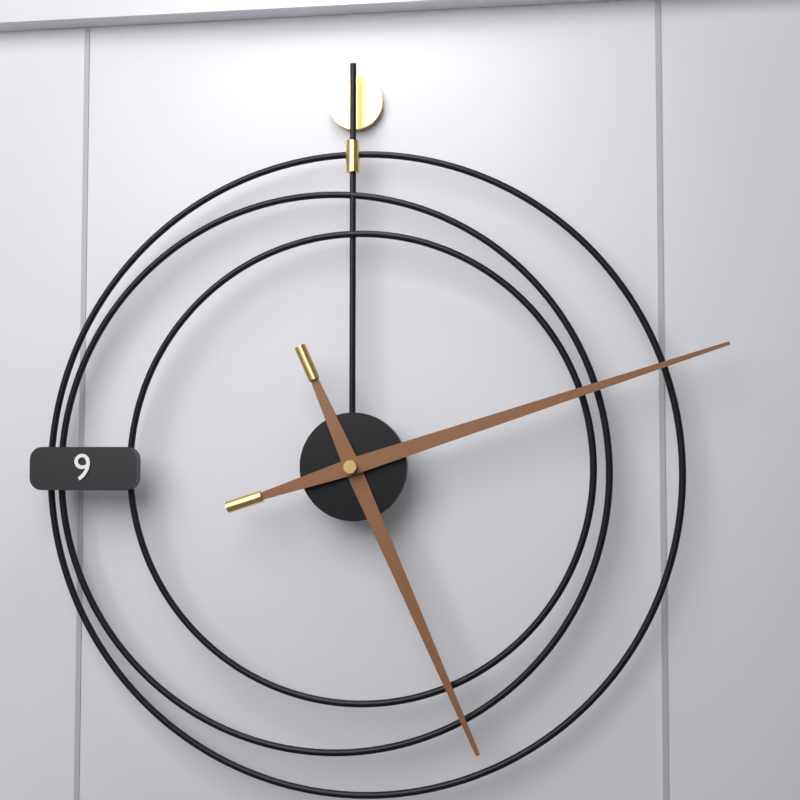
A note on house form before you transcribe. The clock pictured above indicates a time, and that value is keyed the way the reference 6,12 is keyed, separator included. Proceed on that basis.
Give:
5,12
